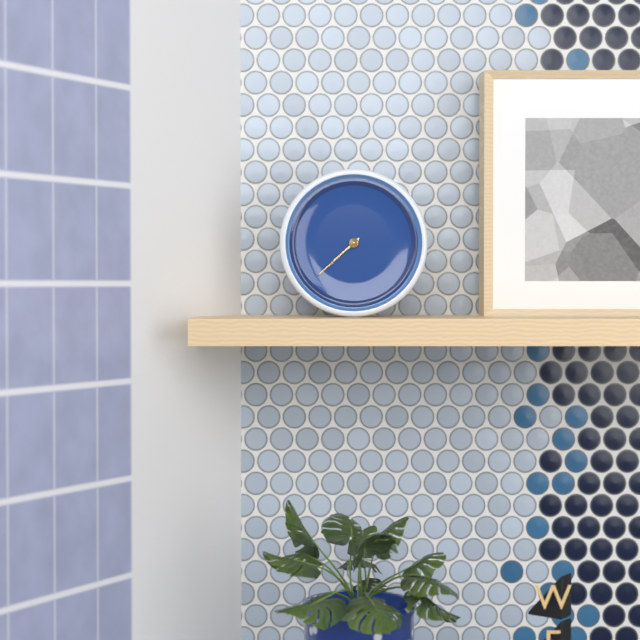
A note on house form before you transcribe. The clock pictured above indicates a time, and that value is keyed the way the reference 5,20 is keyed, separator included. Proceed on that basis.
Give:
7,38
